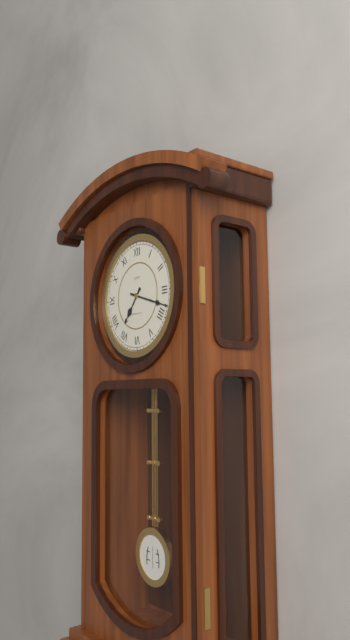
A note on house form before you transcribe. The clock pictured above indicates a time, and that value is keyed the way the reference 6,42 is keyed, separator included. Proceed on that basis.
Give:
7,18
